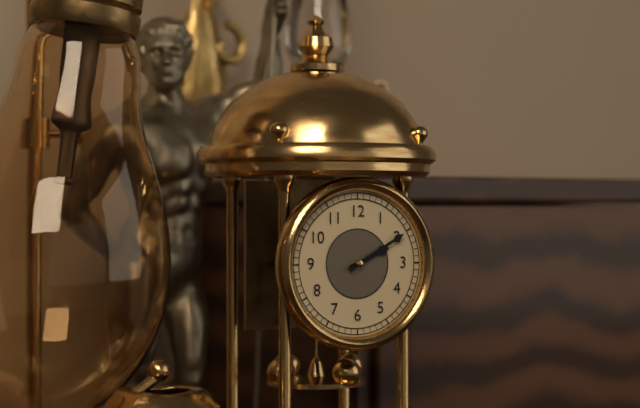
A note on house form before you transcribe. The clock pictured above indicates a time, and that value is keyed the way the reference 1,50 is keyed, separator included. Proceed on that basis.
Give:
2,10
